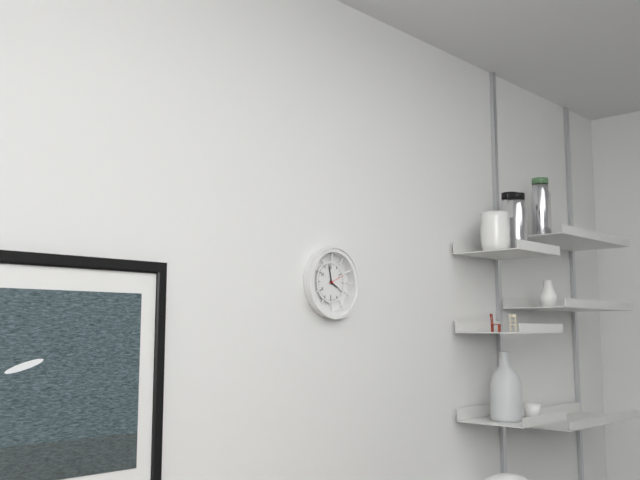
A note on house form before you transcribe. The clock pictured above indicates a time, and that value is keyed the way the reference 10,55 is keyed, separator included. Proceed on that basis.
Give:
3,58
